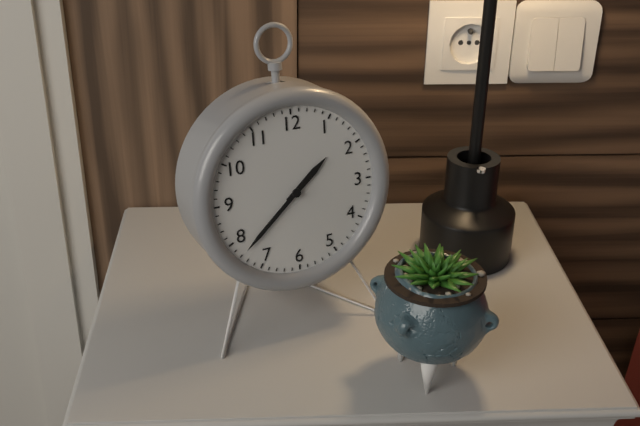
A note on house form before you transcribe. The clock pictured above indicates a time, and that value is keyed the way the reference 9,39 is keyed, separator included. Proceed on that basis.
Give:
1,38
